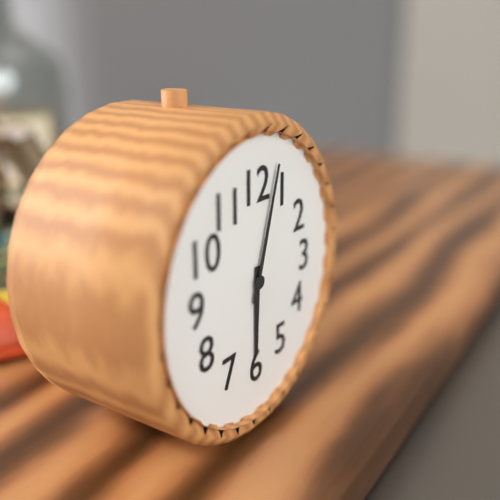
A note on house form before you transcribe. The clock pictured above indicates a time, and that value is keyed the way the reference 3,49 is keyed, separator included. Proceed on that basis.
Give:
6,03
